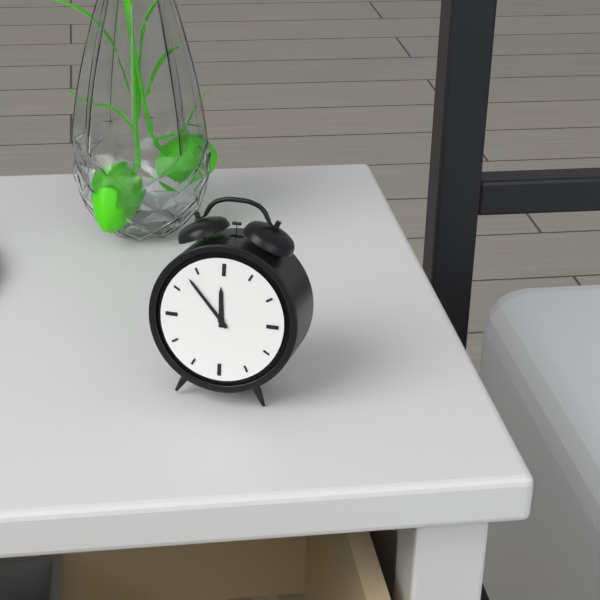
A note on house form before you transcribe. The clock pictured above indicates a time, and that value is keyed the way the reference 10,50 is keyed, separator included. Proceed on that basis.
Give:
11,53
